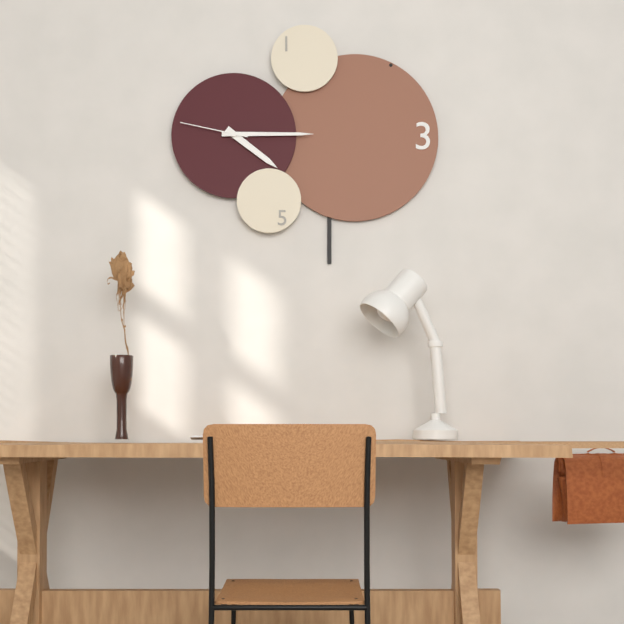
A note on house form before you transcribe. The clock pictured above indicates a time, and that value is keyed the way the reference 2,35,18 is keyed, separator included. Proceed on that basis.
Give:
4,15,47
